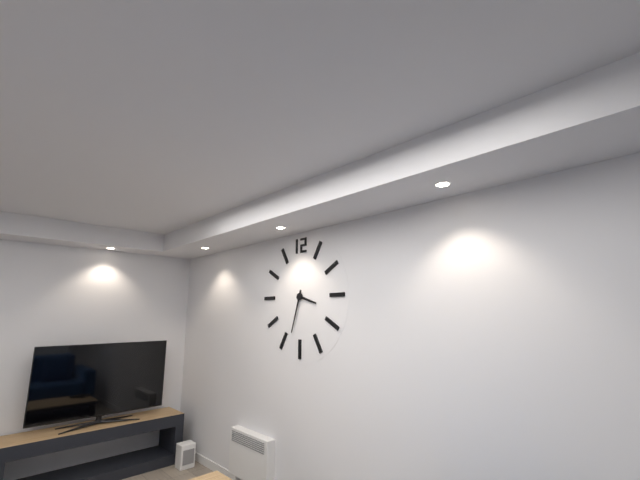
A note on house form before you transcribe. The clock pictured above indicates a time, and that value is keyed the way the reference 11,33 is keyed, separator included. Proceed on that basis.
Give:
3,33
